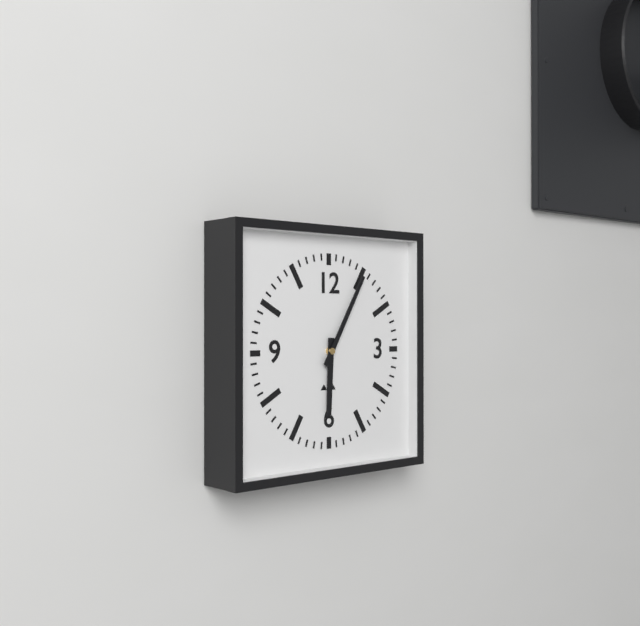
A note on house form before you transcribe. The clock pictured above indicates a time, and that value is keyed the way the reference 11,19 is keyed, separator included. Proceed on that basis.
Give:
6,05
